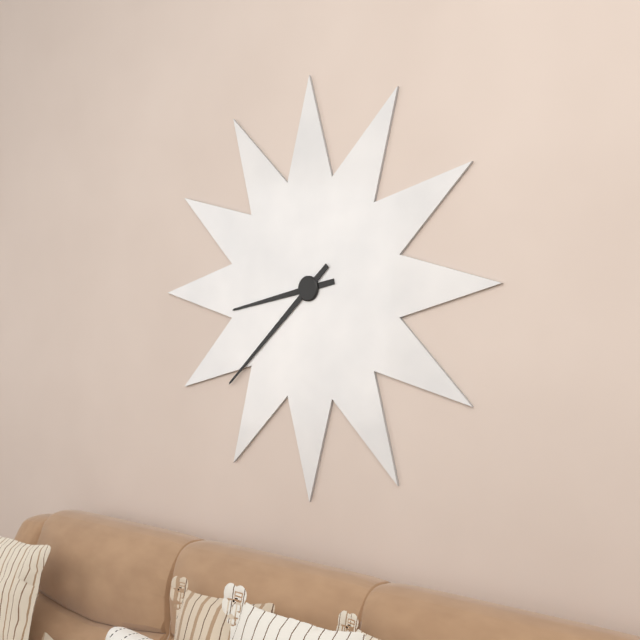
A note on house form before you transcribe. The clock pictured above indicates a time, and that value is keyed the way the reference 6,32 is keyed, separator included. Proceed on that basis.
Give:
8,38
